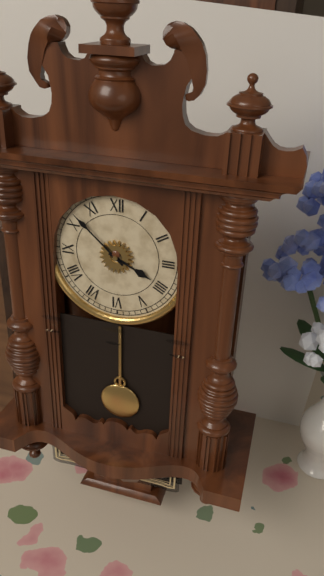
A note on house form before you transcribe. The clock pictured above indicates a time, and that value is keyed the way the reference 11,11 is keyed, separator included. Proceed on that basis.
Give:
3,52
